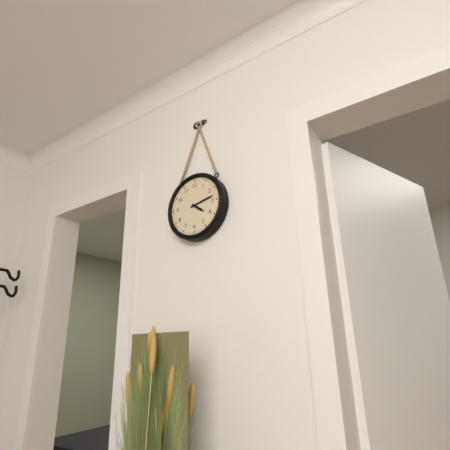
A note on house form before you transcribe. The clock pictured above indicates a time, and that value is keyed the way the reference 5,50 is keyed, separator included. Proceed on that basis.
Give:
4,13
